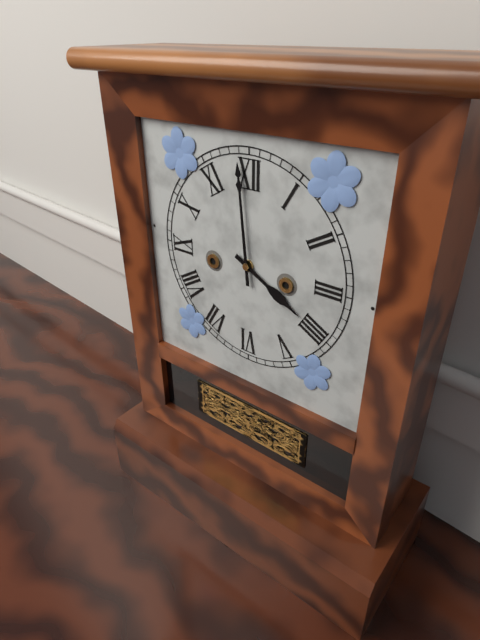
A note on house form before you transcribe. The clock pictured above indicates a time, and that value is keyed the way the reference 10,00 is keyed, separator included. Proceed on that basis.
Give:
3,59
